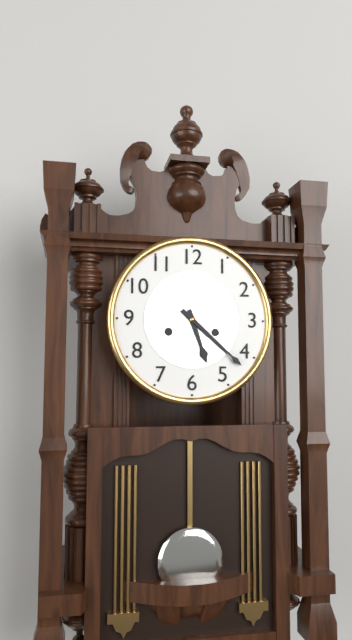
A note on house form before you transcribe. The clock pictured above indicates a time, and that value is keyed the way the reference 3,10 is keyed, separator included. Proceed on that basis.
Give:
5,22
